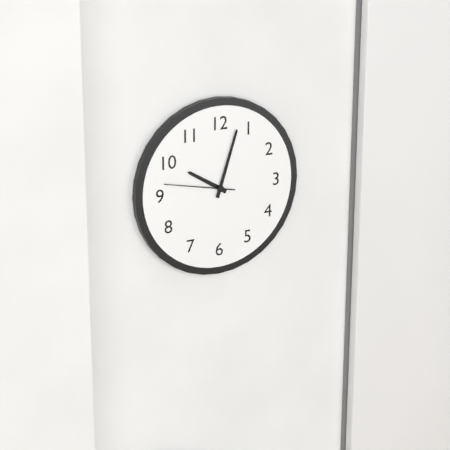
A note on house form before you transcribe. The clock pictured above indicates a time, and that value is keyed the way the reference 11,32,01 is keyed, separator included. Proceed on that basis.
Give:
10,03,47
